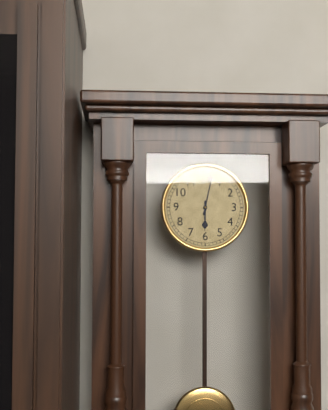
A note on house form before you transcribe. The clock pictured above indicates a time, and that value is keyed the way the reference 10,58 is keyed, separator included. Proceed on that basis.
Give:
6,02
